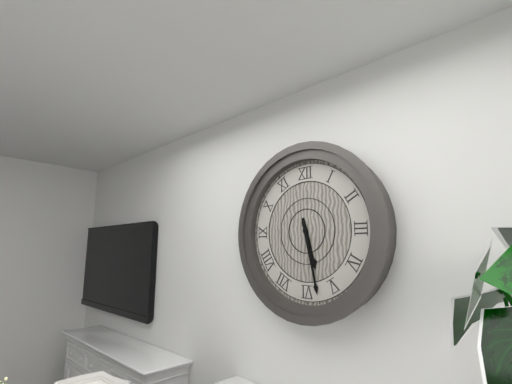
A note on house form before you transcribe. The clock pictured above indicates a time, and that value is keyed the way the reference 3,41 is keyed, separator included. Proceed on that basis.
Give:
5,28
